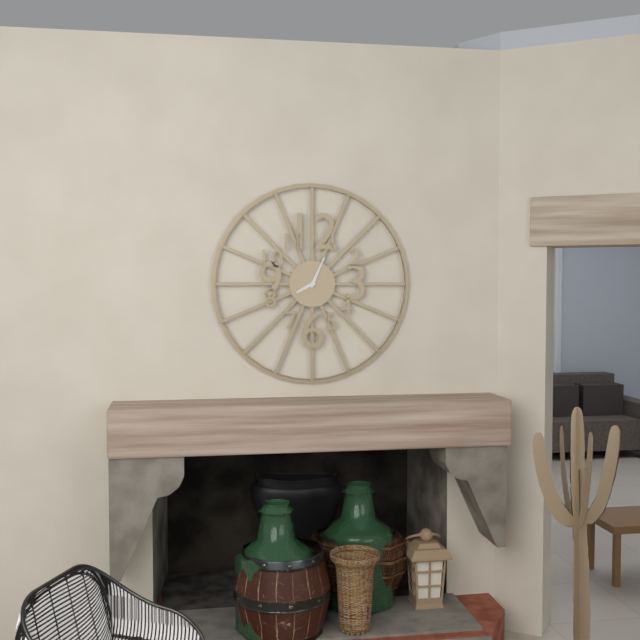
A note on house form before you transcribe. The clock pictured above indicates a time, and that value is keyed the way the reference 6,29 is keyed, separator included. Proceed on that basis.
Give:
8,04
